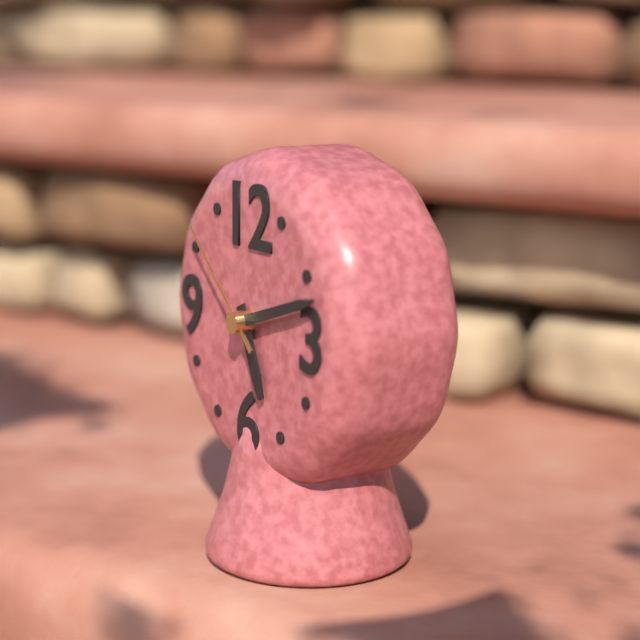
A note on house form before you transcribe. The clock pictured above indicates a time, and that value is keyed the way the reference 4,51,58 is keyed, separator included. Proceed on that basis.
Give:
5,12,52
